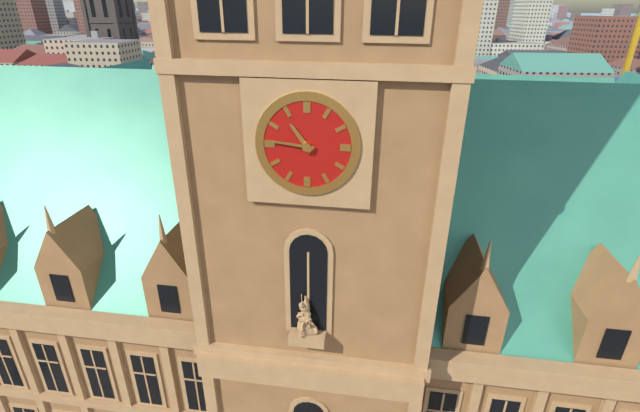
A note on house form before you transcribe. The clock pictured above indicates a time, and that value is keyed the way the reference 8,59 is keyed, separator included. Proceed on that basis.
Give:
10,46
